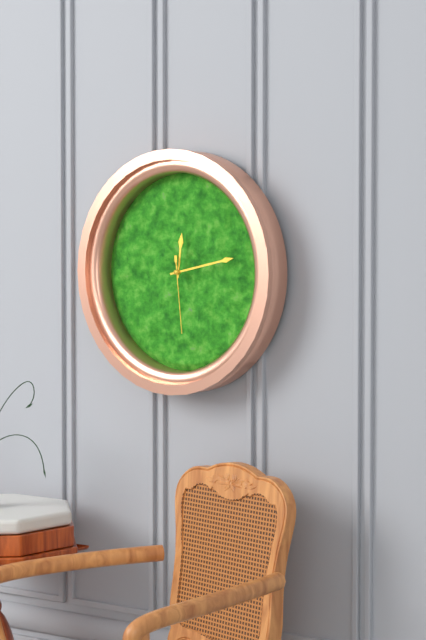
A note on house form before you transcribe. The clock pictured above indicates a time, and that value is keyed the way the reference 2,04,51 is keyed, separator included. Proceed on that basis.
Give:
12,13,29
